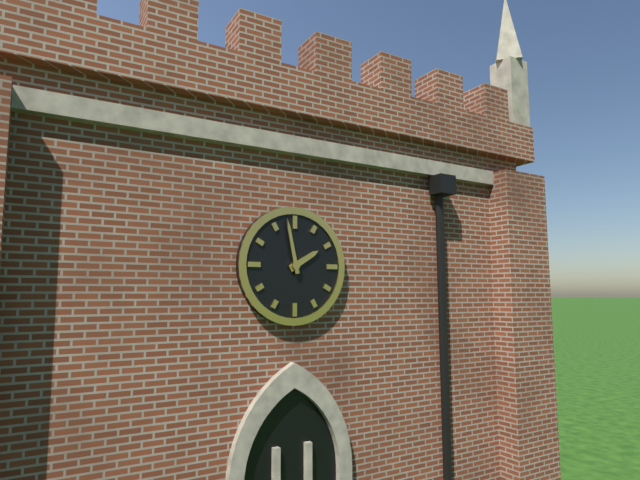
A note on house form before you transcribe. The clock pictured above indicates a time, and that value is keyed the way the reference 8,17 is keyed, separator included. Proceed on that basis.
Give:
1,58
